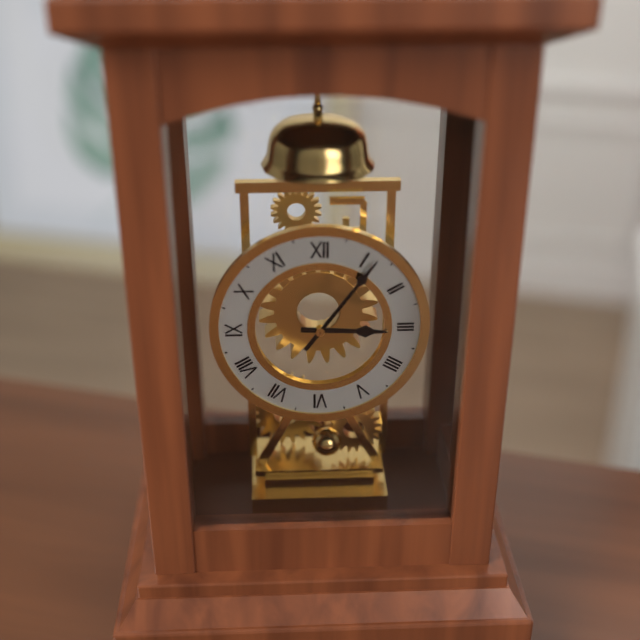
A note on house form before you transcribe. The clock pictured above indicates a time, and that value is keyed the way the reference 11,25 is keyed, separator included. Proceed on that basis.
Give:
3,06
